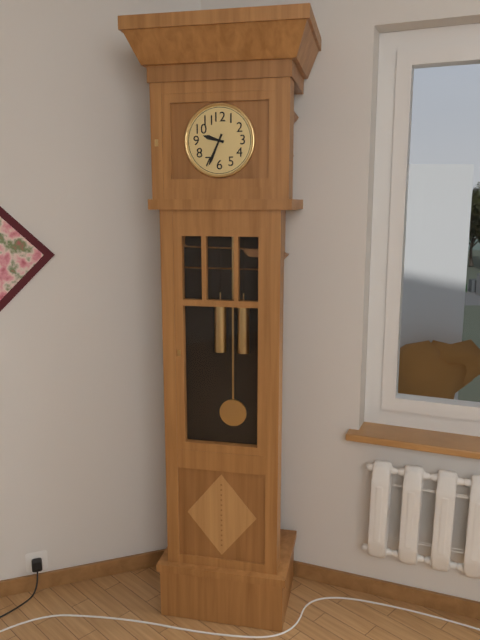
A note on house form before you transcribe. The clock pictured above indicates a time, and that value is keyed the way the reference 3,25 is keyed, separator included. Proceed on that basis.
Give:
9,34
